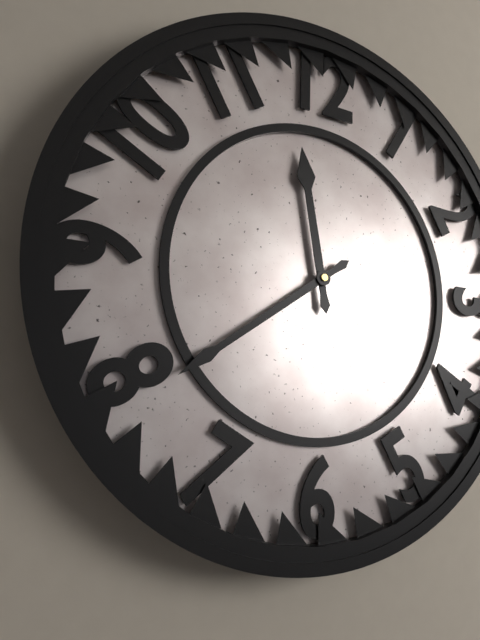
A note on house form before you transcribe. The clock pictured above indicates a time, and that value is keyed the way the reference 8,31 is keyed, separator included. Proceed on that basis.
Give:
11,39
